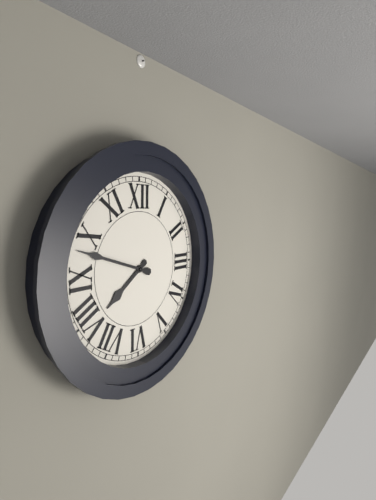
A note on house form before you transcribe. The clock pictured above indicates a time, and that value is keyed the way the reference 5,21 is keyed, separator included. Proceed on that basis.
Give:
7,48
